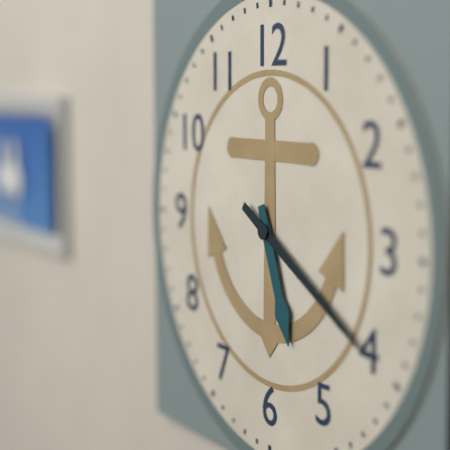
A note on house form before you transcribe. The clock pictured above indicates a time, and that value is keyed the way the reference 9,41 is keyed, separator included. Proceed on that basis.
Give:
5,20
